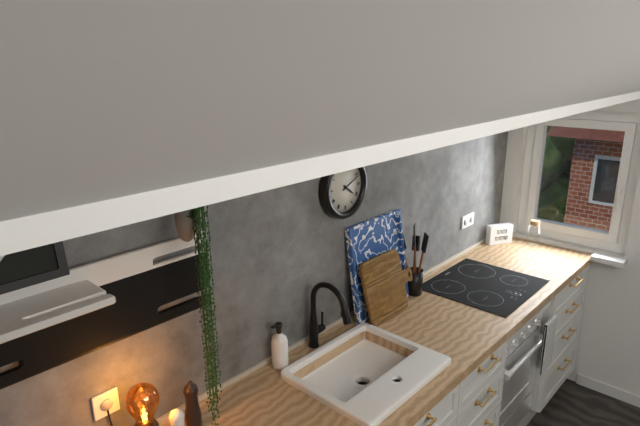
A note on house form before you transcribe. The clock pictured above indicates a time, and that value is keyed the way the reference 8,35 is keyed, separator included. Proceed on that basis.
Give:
4,11
